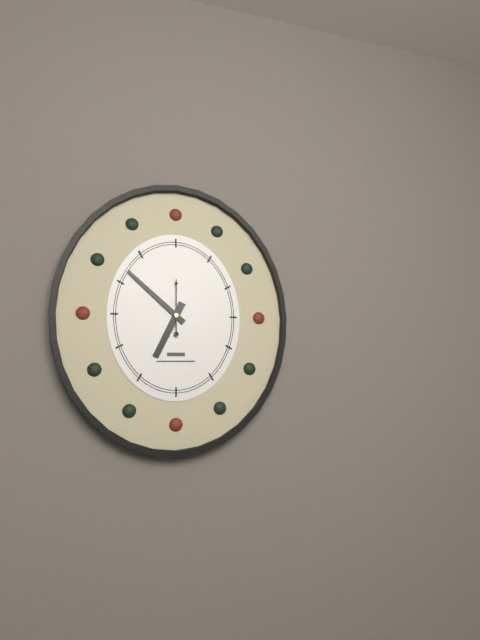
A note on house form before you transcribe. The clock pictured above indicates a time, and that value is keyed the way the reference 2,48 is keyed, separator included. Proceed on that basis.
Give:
6,52
